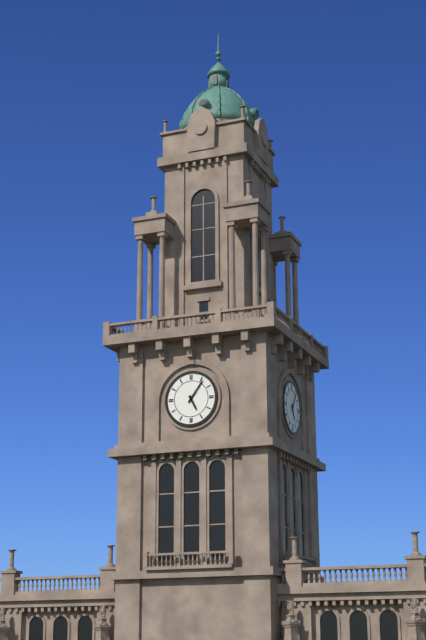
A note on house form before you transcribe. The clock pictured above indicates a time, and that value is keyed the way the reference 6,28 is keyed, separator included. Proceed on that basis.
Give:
5,06
